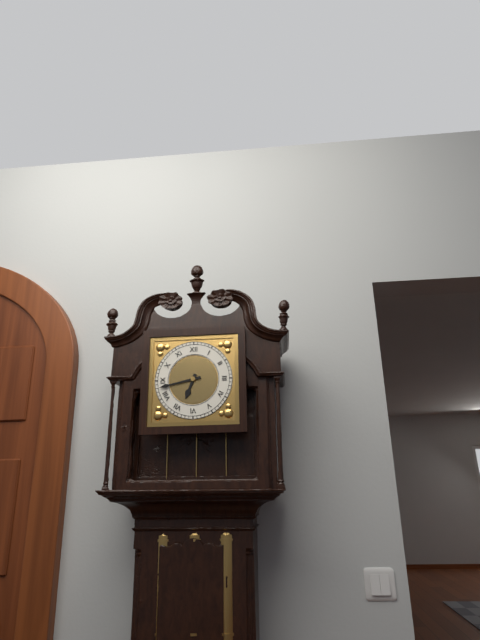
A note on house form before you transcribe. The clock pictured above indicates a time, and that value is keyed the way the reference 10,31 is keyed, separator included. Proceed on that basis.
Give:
6,43
